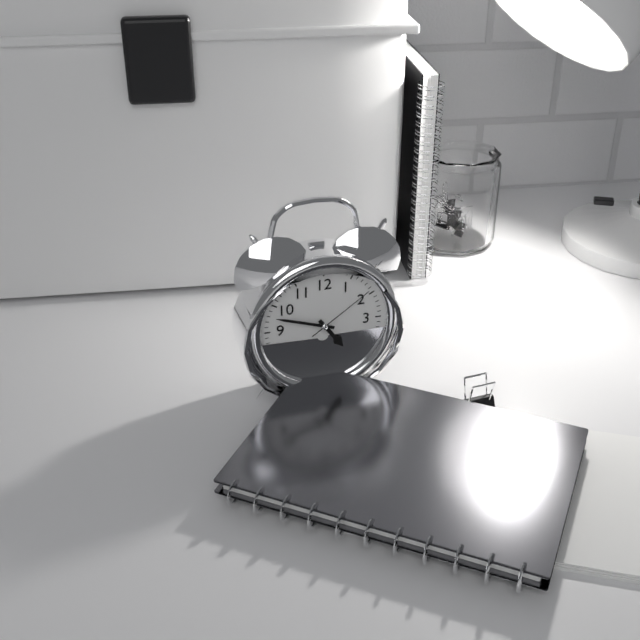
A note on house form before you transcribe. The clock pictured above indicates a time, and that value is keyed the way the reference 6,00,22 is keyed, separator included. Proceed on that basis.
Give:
4,48,09
